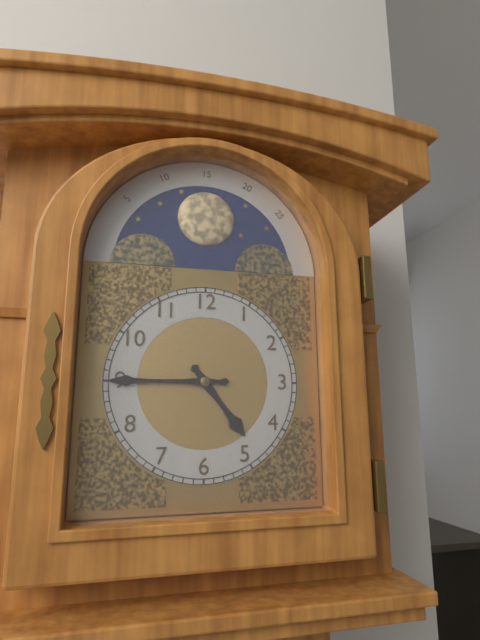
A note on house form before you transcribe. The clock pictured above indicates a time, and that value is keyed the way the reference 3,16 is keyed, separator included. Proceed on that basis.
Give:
4,45
